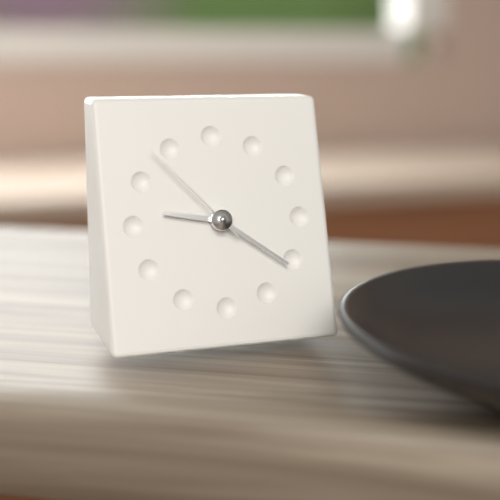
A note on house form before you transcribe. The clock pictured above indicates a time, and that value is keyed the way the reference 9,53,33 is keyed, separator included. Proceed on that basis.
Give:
9,21,53
